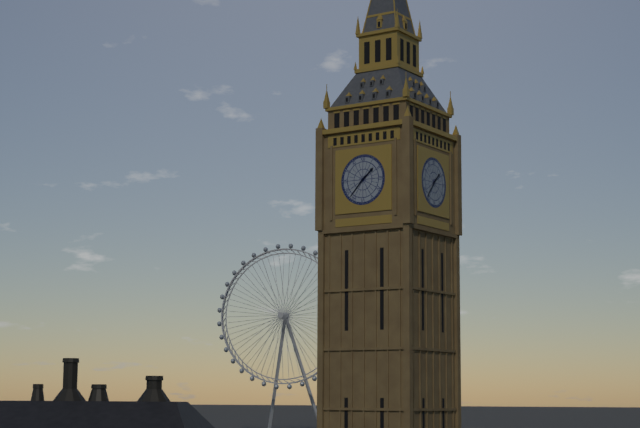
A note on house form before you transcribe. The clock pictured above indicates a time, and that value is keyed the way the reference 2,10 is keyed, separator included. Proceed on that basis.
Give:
1,37
